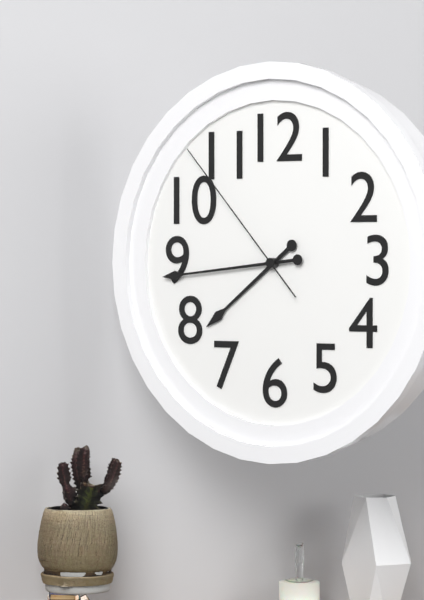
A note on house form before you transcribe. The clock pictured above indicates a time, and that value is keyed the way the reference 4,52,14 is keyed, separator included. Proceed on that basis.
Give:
7,44,53
